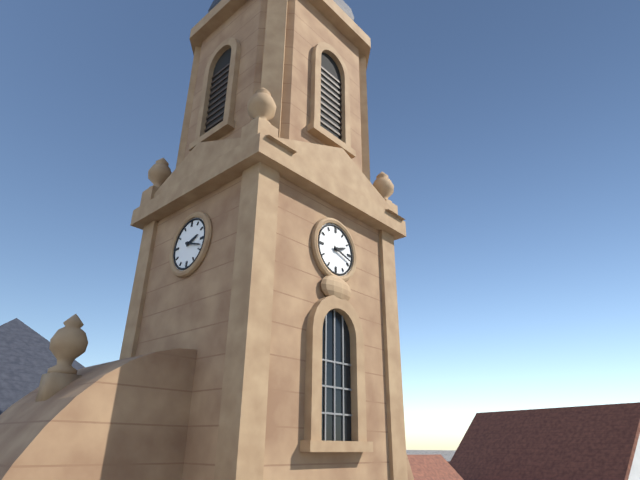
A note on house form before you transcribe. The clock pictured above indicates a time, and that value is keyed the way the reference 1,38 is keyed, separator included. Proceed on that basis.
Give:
2,18
